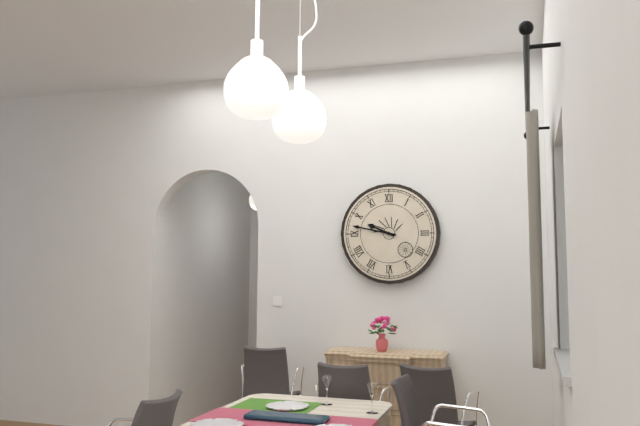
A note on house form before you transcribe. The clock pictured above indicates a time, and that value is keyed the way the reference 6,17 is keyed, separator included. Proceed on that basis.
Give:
9,47
